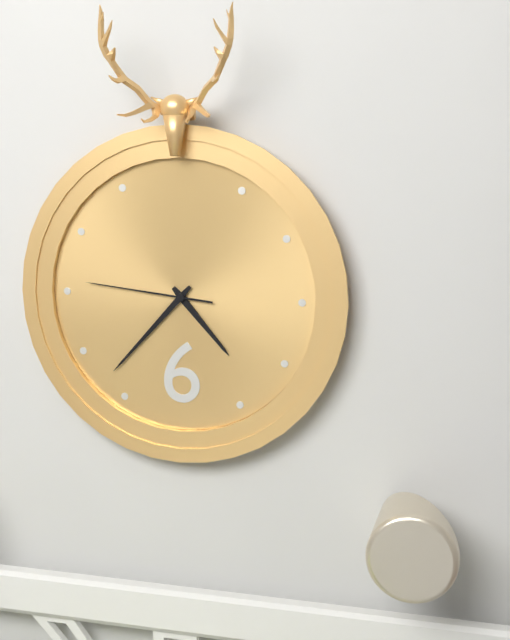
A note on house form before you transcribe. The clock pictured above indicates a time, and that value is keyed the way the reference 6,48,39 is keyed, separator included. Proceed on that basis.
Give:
4,37,46
